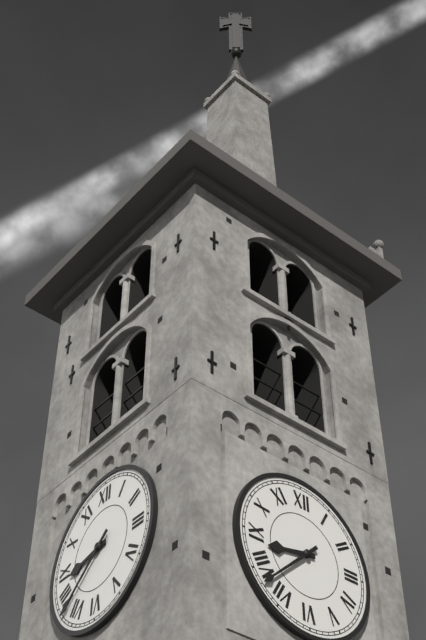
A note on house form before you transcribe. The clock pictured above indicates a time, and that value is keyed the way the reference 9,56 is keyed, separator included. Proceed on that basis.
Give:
8,38
